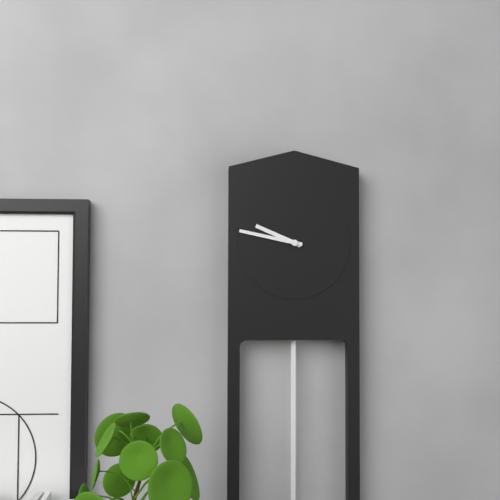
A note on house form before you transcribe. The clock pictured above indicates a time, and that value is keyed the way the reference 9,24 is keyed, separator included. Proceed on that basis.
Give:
9,47
